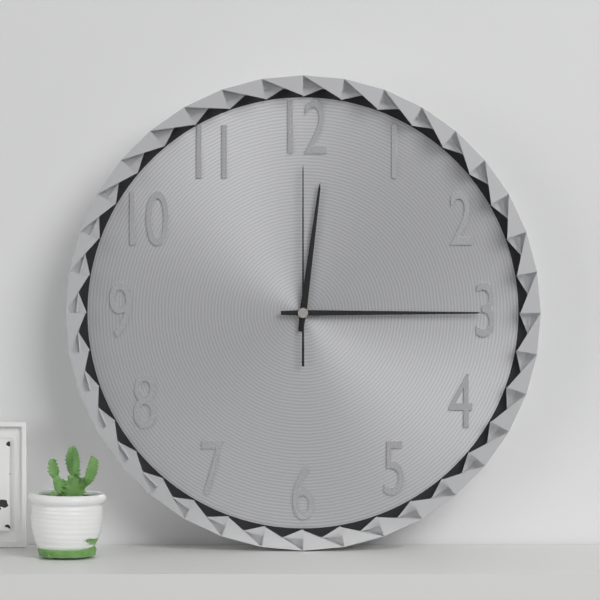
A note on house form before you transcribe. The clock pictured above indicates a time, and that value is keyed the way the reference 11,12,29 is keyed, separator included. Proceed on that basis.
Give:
12,15,00
